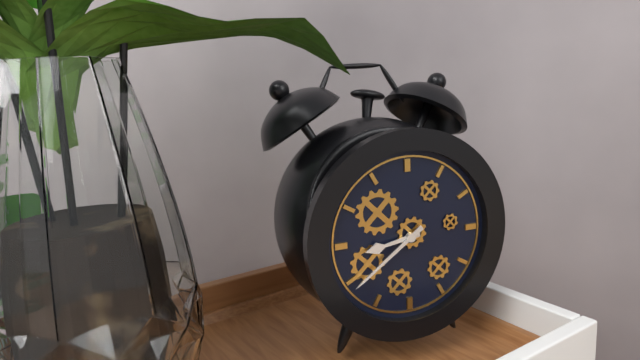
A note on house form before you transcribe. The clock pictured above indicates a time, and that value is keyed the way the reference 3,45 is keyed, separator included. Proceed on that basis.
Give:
8,39
